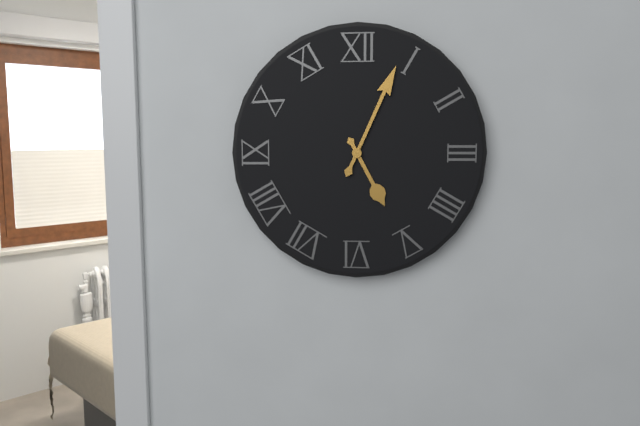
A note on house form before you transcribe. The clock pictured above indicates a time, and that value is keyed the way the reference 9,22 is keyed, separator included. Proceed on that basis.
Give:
5,04
